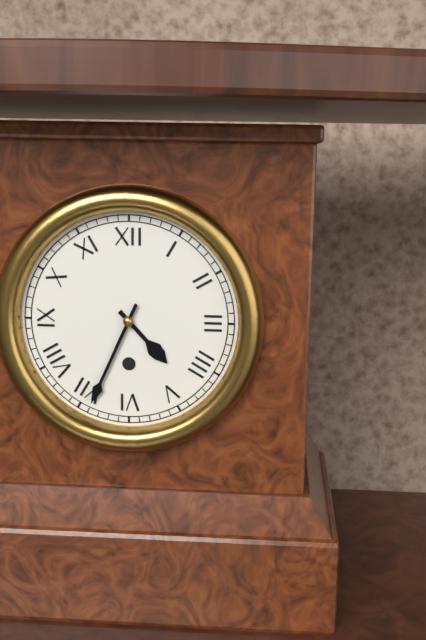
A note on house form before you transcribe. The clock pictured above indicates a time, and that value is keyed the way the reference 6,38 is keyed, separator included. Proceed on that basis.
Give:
4,34
